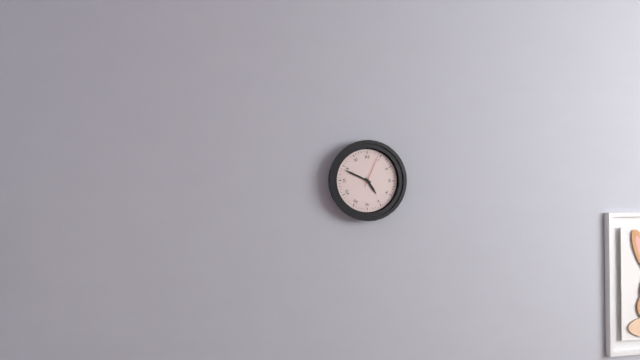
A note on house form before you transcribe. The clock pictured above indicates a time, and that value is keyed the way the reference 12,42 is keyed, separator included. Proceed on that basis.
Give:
4,49
